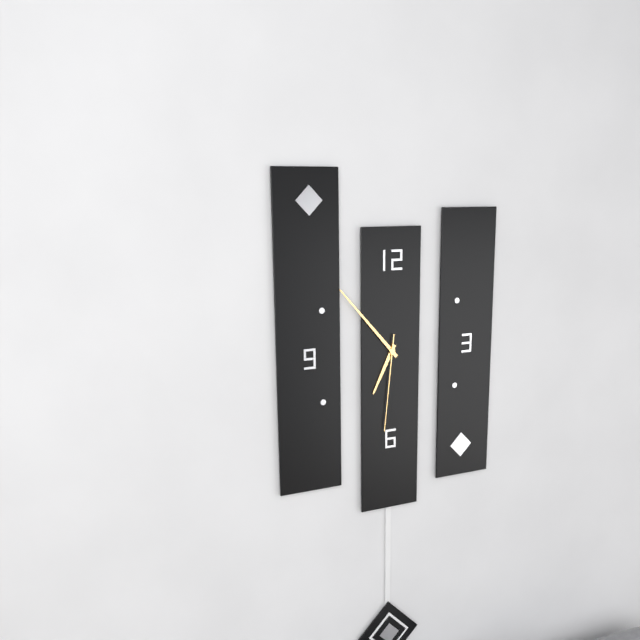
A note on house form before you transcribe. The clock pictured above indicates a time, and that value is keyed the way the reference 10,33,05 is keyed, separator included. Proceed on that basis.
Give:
6,53,31
